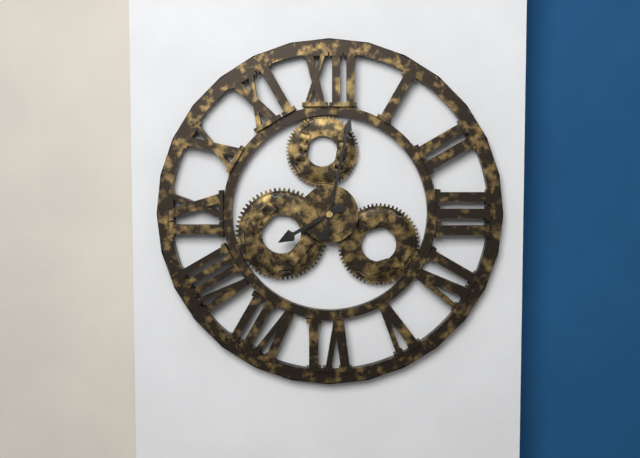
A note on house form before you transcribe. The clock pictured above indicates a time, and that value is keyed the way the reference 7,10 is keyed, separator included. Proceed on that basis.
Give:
8,02
